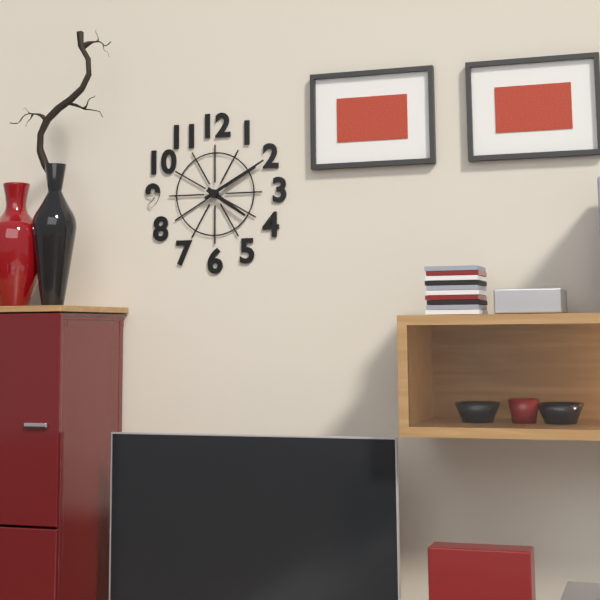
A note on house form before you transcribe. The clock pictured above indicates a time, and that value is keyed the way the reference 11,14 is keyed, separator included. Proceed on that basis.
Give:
4,10
